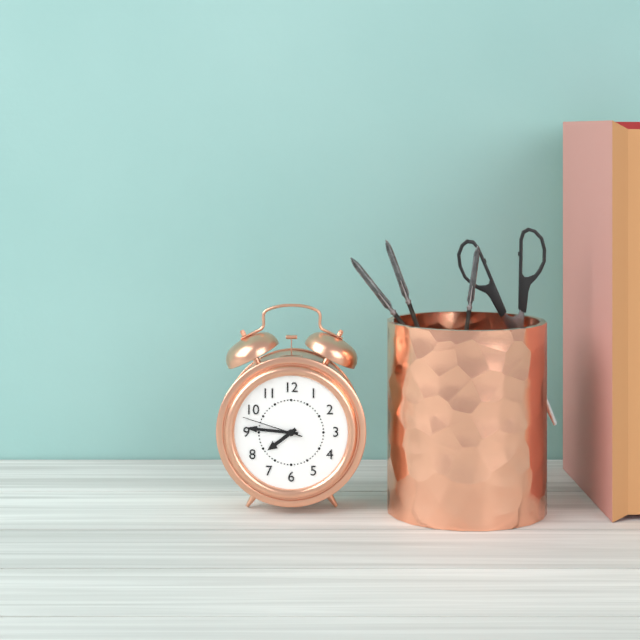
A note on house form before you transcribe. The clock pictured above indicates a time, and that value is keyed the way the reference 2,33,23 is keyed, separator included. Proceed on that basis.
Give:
7,46,48
